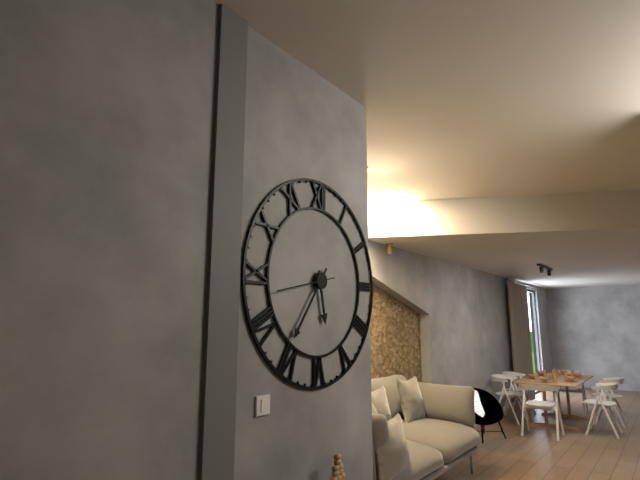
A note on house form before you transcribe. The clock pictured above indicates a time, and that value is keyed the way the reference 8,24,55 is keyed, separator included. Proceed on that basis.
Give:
5,36,43
